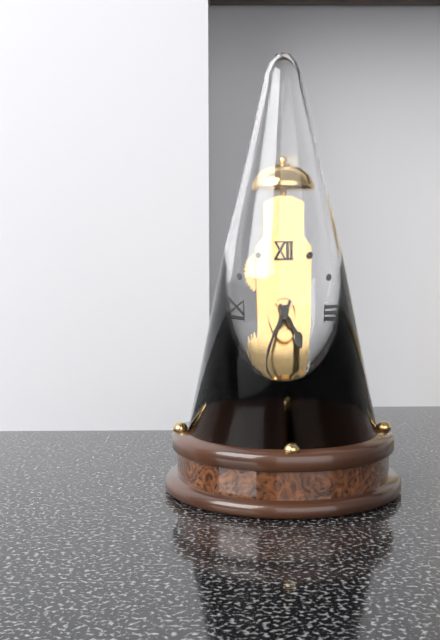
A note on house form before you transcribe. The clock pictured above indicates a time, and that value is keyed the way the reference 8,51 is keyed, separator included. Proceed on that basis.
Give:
4,36
